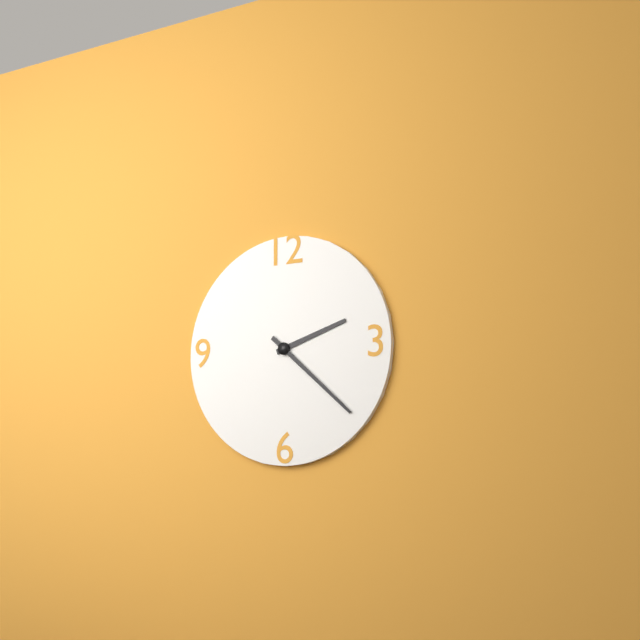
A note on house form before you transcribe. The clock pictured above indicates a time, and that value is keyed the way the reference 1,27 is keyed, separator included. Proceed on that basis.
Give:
2,22
